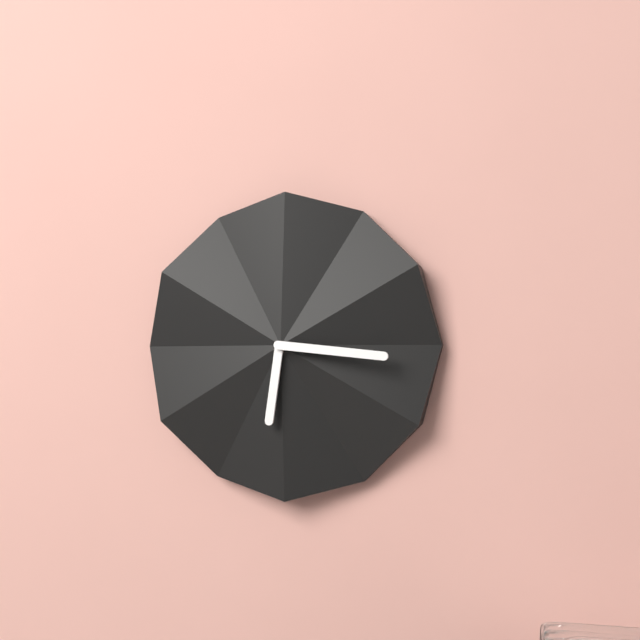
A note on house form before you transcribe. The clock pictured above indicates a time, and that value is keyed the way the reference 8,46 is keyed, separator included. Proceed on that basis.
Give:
6,16
